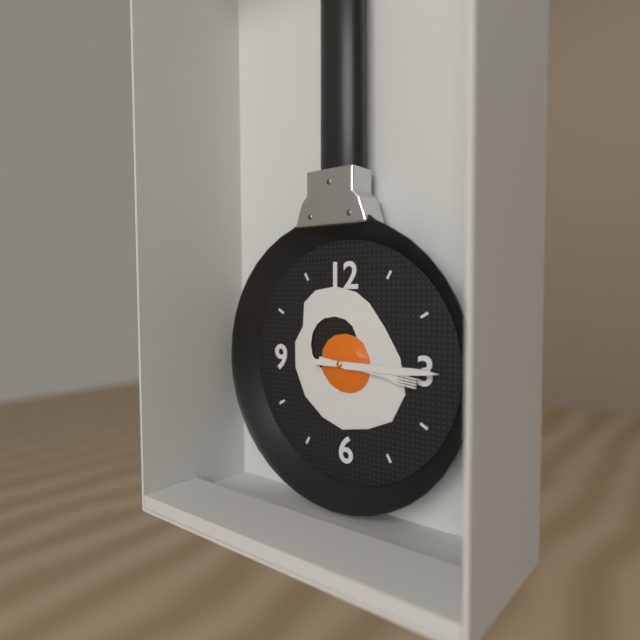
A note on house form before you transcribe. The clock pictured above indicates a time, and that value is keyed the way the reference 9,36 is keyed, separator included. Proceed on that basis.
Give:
3,15
